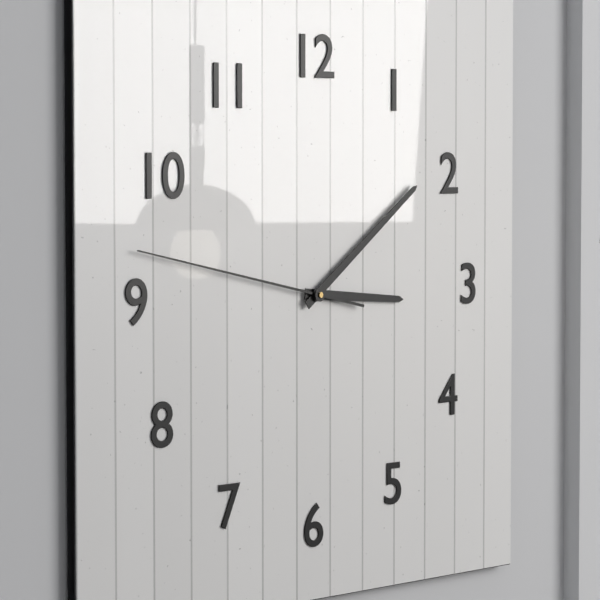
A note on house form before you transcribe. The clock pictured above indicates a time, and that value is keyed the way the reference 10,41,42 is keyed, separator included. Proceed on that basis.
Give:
3,09,47
